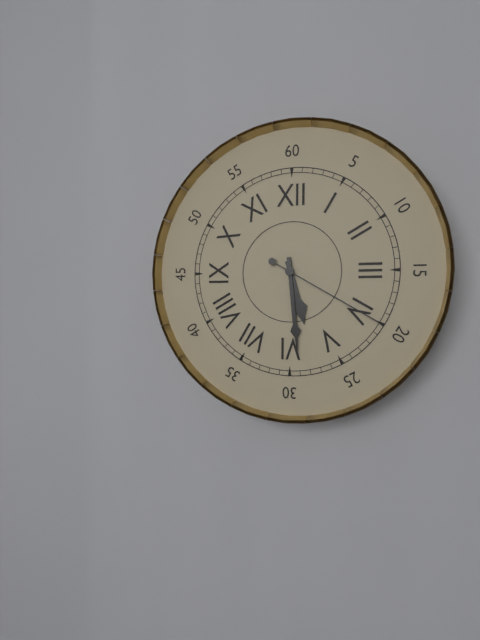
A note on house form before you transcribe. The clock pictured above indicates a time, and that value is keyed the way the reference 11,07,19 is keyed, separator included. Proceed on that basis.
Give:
5,29,20
